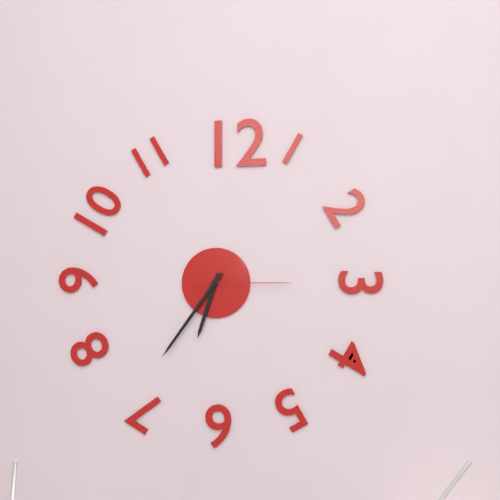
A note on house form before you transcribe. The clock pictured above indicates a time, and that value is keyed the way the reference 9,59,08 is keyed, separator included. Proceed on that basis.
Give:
6,36,15
